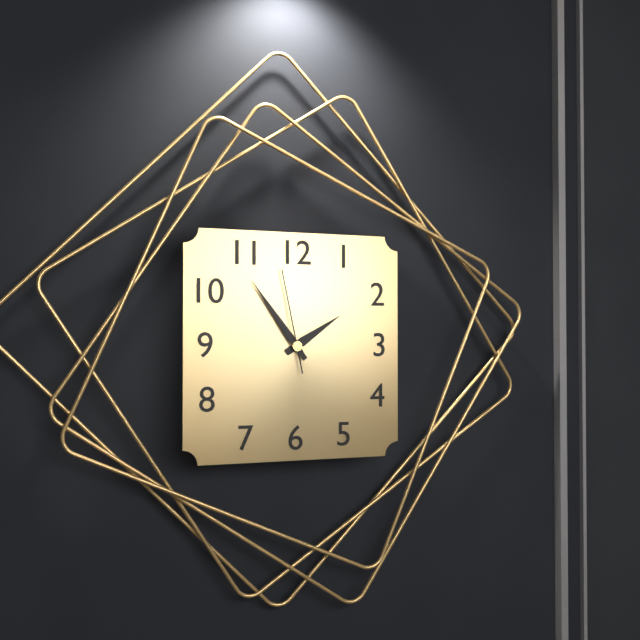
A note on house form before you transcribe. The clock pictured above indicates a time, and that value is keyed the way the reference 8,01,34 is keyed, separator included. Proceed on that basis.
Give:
1,54,58
